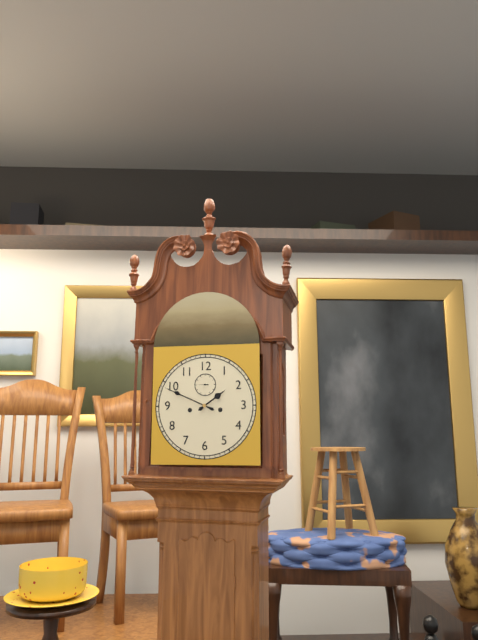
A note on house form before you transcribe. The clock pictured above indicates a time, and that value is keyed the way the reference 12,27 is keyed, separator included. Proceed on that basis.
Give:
1,49
